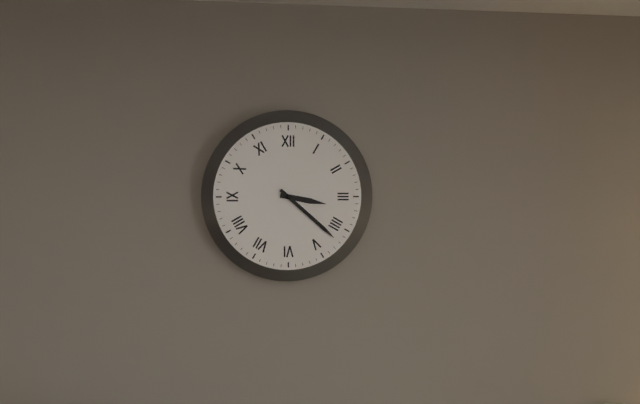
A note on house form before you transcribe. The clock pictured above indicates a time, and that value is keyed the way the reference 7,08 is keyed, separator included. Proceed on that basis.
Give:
3,22
